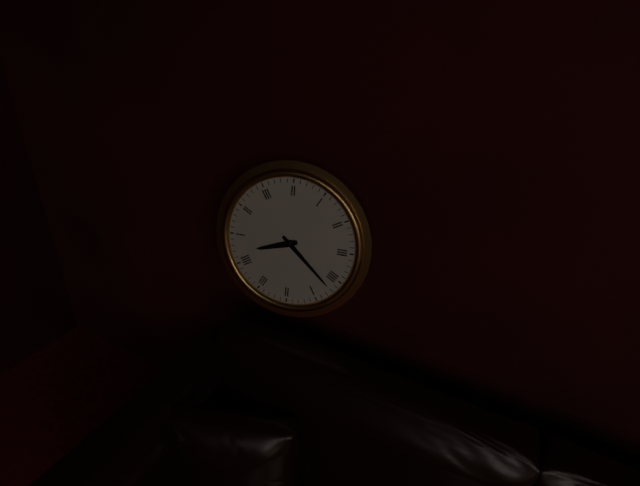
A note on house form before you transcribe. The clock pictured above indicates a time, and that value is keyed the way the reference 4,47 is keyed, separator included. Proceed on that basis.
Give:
8,22
